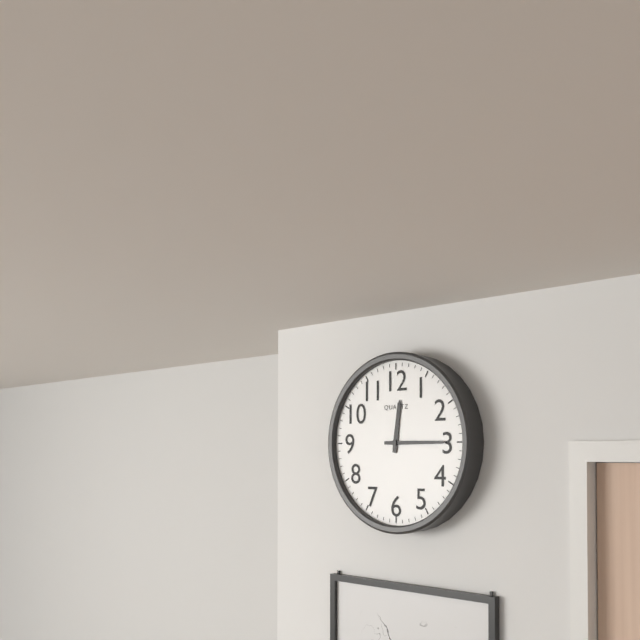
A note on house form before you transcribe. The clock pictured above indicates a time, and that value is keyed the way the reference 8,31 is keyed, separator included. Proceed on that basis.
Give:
12,15
